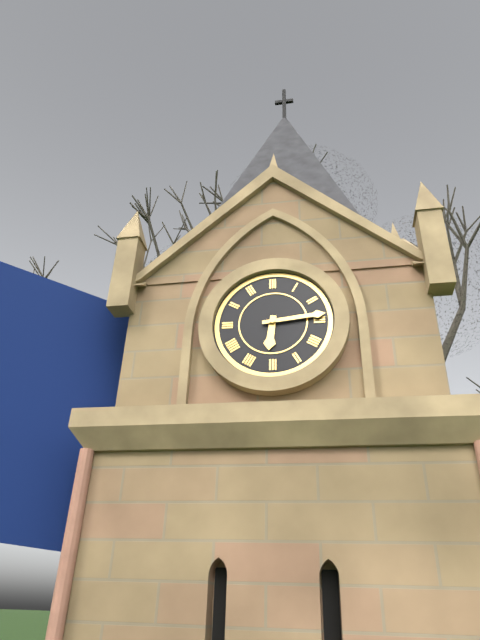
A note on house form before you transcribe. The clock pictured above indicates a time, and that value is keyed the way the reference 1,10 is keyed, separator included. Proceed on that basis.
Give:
6,14
